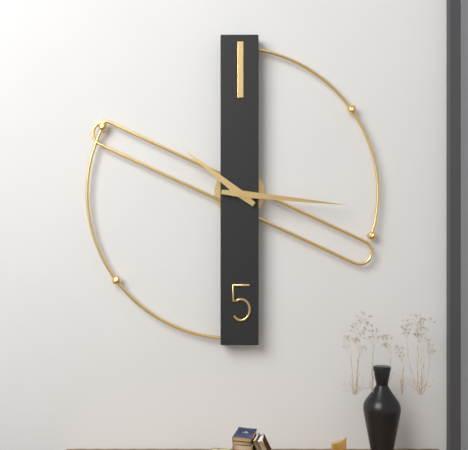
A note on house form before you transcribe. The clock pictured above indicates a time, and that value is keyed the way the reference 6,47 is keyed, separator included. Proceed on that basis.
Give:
10,16
